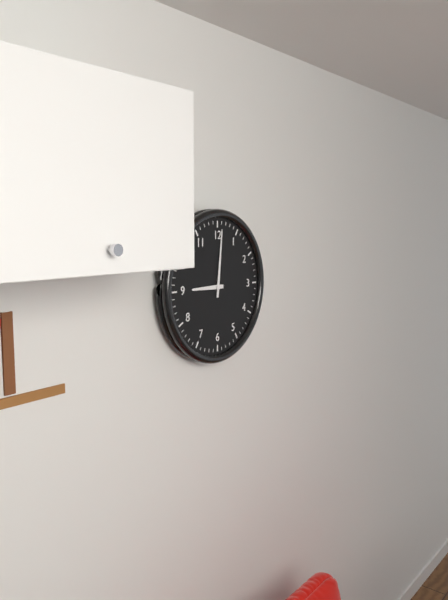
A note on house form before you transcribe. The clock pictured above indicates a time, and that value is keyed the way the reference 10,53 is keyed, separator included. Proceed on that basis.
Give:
9,01
